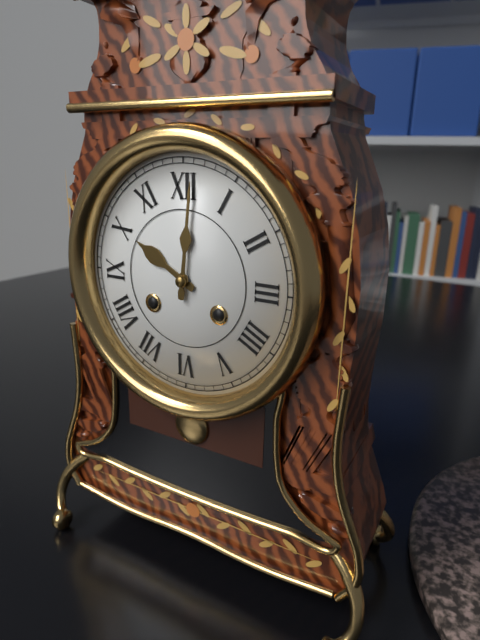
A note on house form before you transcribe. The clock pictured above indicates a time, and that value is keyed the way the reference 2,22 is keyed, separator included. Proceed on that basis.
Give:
10,01
